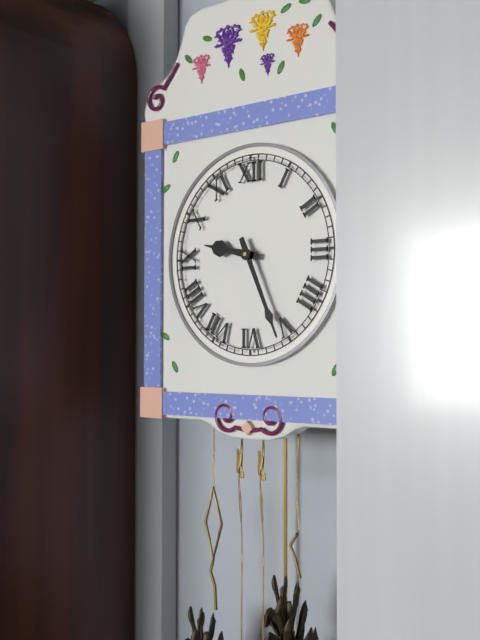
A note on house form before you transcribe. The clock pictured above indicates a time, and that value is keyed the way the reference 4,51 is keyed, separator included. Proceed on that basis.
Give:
9,26
